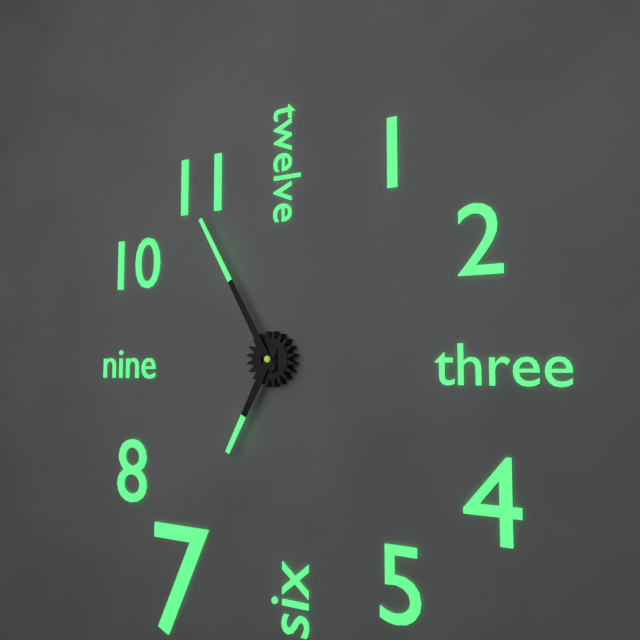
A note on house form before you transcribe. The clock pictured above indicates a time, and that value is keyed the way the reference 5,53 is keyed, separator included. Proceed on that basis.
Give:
6,55
